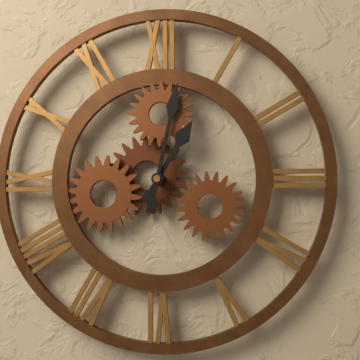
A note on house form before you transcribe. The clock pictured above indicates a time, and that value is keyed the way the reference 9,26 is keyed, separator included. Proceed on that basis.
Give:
1,02
